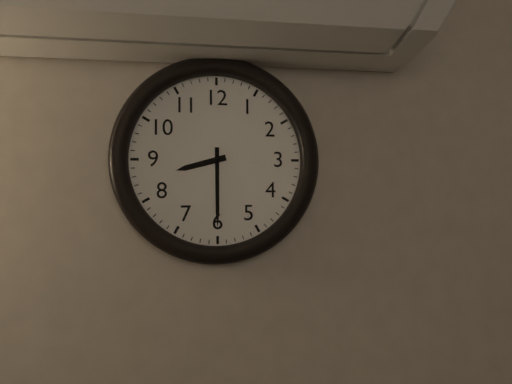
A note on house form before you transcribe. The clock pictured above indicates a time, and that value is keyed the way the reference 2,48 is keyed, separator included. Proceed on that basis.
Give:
8,30
